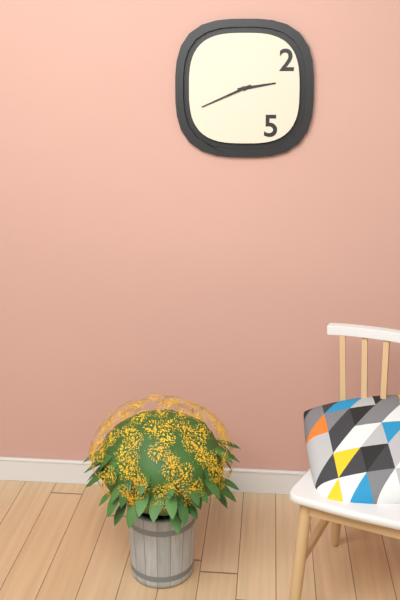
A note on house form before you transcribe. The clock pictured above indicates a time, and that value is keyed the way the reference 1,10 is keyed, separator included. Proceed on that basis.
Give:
2,41
